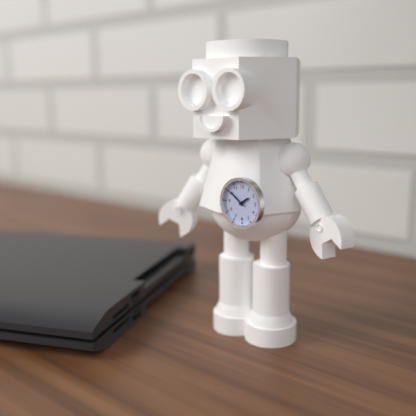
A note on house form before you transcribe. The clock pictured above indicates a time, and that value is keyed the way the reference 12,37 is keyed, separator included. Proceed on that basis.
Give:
1,51
